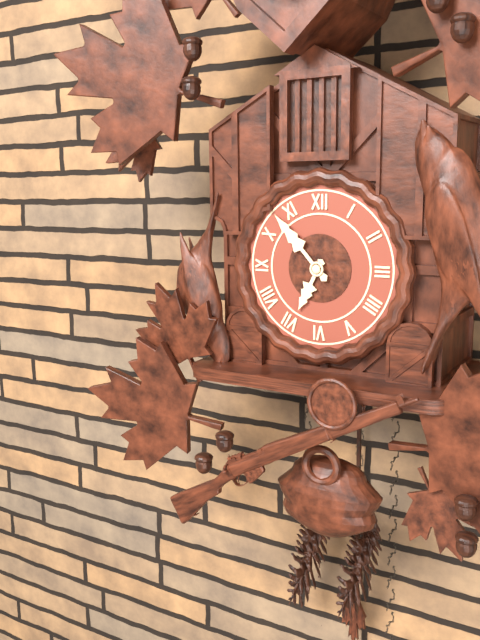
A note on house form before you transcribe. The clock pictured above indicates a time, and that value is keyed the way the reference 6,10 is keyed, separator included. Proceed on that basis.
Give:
6,53
